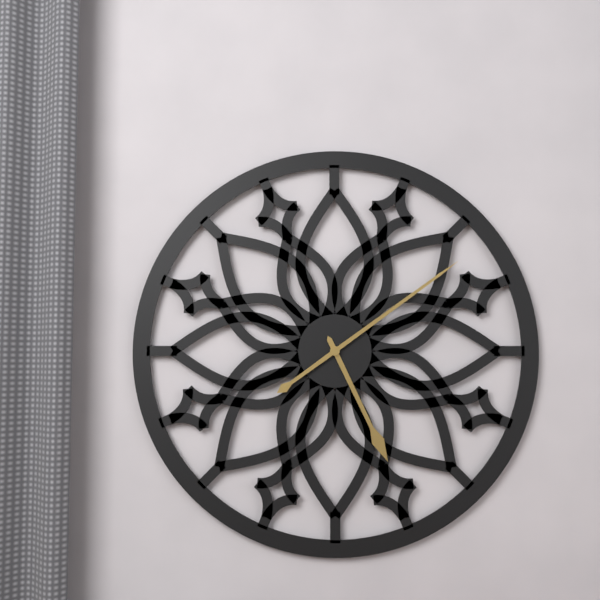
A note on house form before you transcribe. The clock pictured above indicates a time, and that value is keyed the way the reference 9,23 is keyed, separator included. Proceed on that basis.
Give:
5,09
